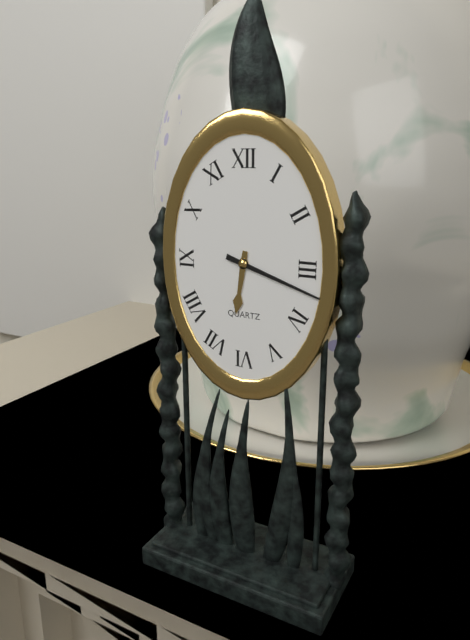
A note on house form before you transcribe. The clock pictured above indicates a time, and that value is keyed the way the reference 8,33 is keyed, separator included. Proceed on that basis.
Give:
6,18
